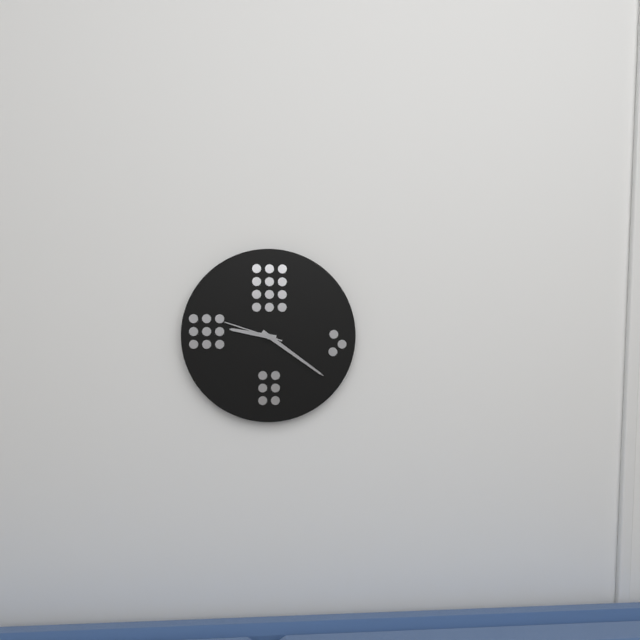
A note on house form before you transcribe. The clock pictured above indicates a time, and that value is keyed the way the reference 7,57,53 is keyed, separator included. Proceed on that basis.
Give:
9,21,48
